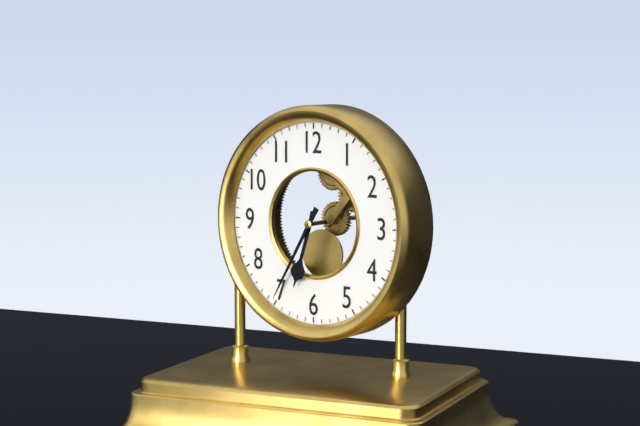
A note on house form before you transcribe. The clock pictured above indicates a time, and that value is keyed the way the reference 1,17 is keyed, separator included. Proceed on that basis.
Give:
6,35
